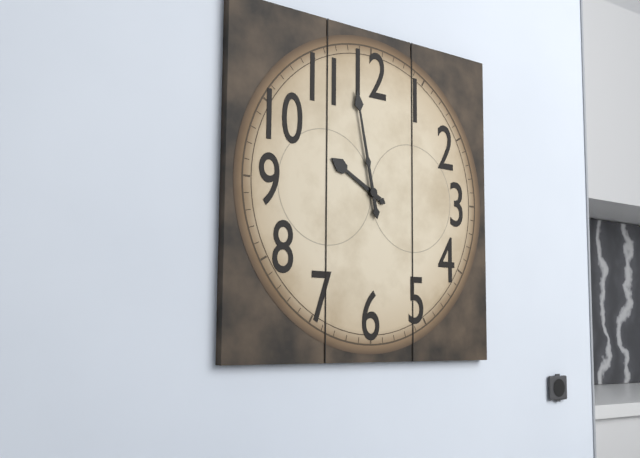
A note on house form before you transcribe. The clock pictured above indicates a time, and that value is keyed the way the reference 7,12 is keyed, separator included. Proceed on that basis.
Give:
9,58
